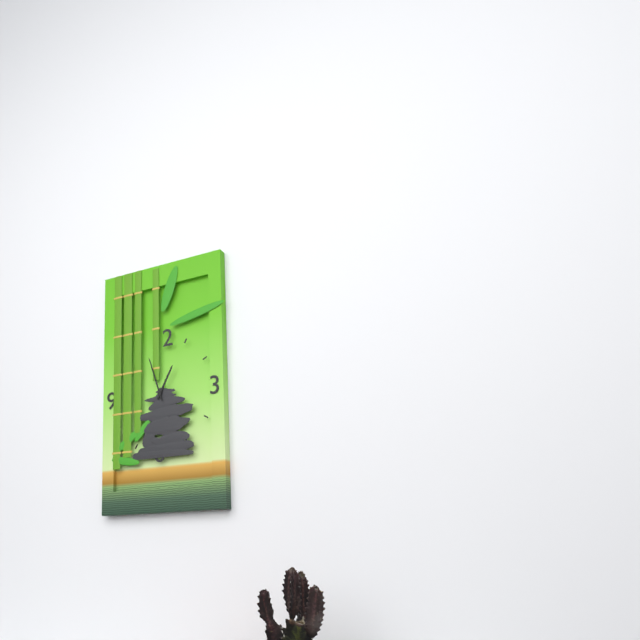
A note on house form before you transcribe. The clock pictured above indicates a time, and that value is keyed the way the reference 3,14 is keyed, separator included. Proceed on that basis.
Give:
12,57
